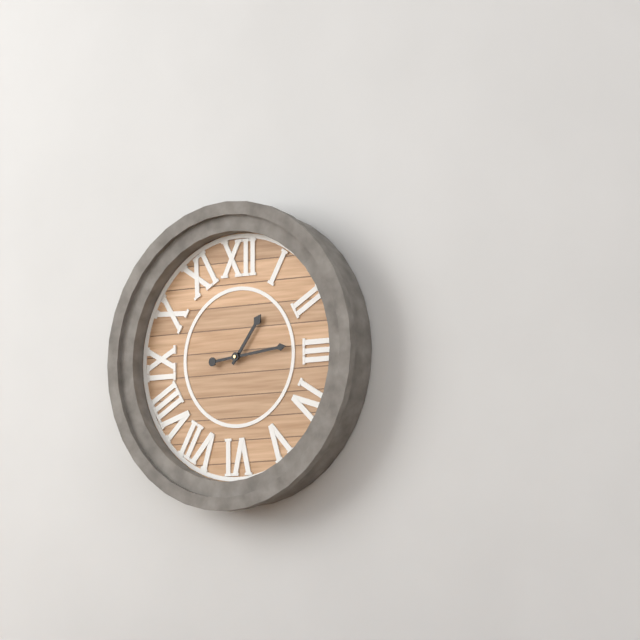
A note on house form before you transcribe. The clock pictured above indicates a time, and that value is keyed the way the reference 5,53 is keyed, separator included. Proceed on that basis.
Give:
1,14
